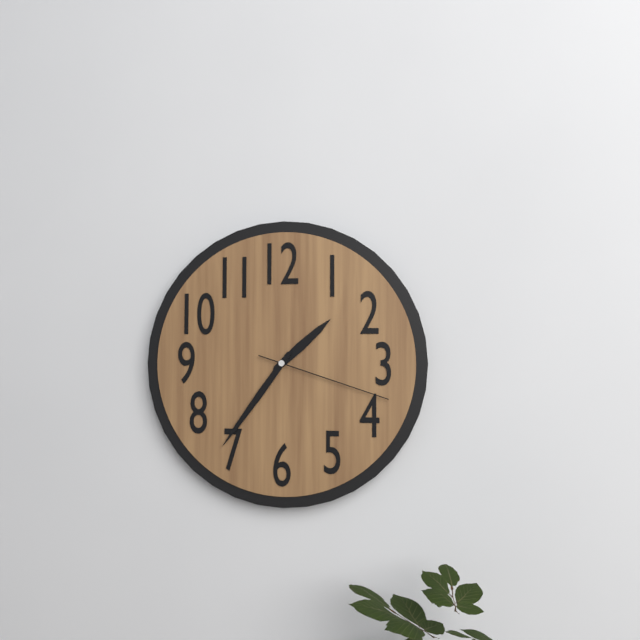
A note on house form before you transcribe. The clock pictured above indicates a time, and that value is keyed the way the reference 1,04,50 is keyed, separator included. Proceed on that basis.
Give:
1,36,18
